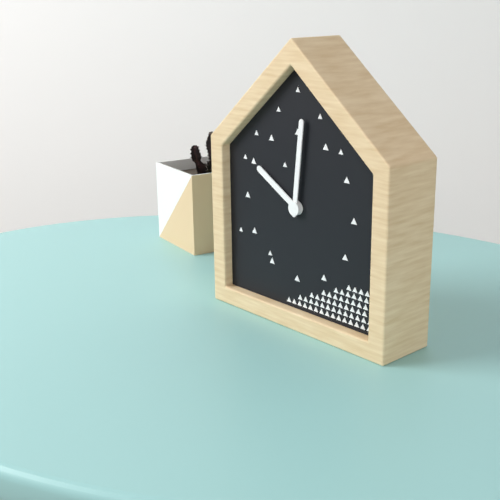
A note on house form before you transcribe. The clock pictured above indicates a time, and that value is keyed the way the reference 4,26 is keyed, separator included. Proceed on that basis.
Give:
10,01
